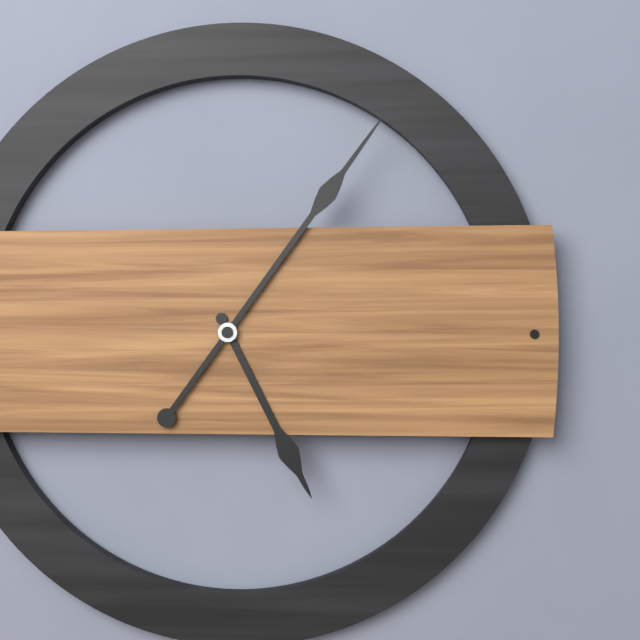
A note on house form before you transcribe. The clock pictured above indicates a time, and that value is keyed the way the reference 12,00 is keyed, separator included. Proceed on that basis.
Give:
5,06
